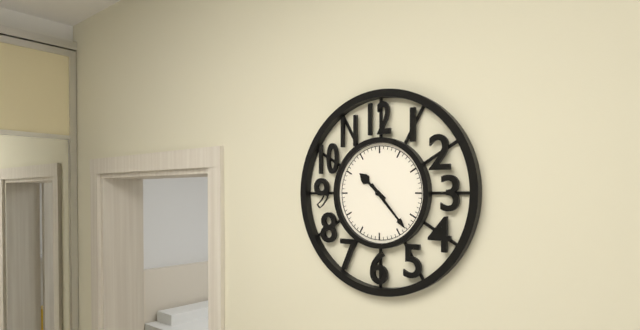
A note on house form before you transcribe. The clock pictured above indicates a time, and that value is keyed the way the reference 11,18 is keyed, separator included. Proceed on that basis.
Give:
10,23
